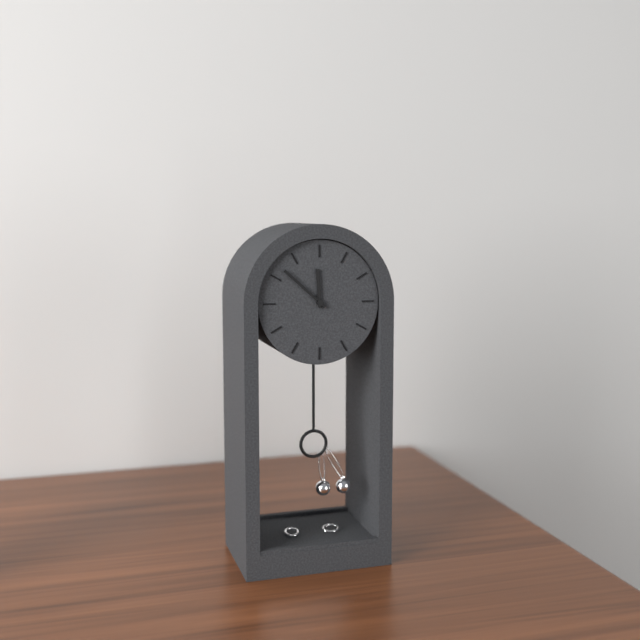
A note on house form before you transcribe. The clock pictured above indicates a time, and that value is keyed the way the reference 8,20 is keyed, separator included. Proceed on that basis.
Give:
11,52
